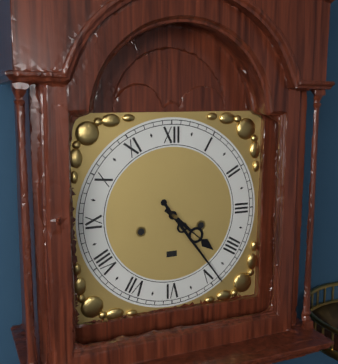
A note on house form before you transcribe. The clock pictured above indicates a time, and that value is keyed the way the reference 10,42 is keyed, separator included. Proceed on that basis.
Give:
4,24
